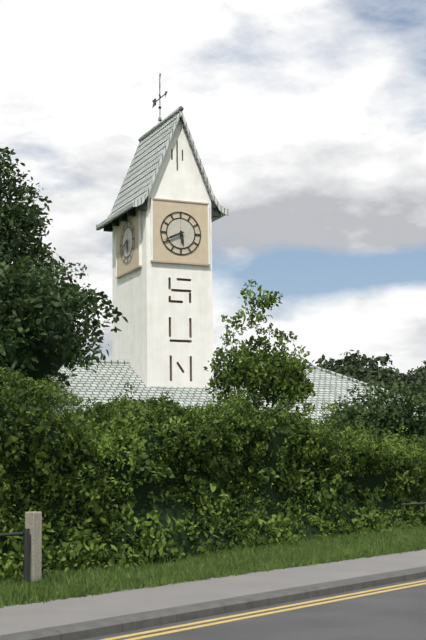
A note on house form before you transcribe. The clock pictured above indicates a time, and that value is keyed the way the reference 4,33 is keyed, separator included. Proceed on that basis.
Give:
5,41
